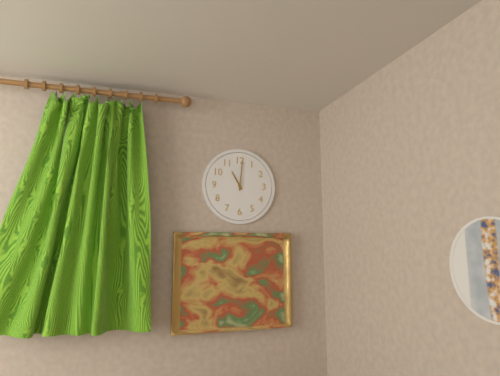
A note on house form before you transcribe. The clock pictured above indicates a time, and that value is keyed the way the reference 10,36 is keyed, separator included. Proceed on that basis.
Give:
11,01
